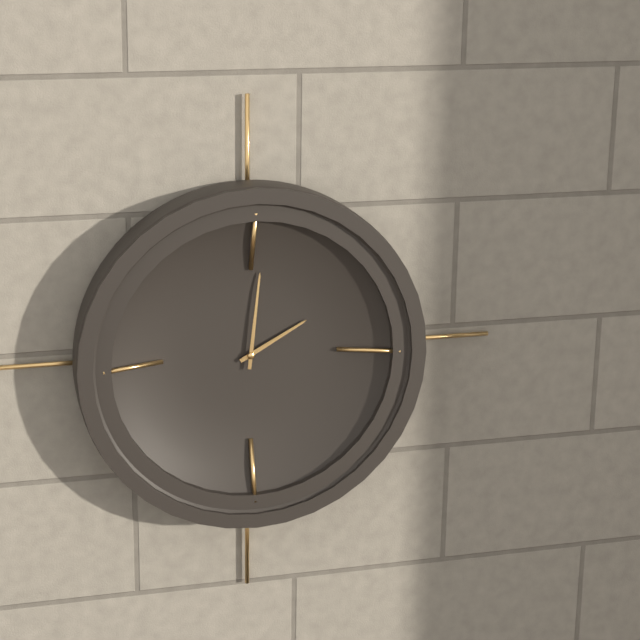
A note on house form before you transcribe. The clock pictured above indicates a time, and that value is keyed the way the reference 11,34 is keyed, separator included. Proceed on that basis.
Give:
2,01
